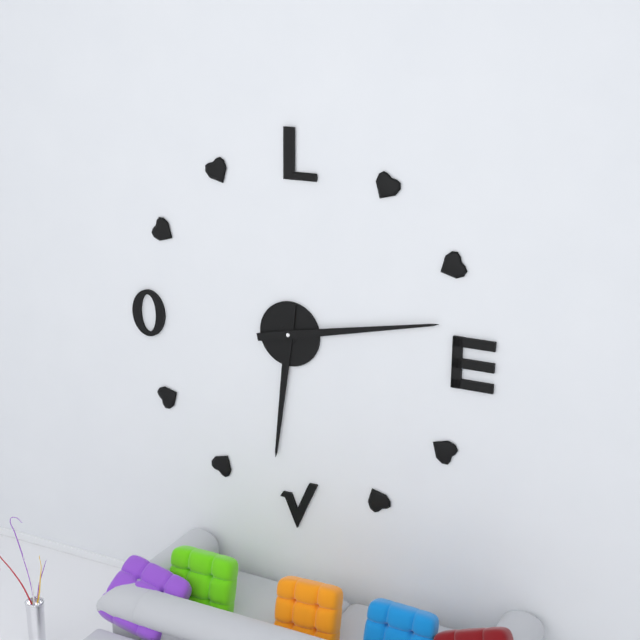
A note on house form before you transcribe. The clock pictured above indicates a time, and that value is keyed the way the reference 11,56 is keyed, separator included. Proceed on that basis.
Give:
6,13
